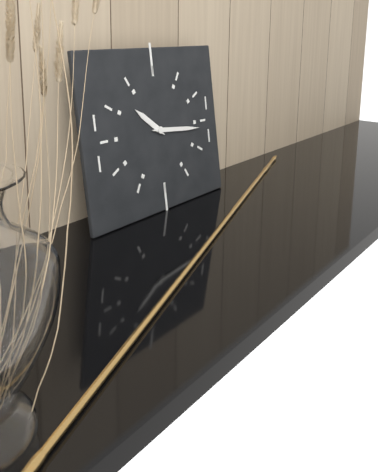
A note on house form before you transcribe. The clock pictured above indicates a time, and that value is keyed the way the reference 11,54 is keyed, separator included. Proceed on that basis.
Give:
10,16
